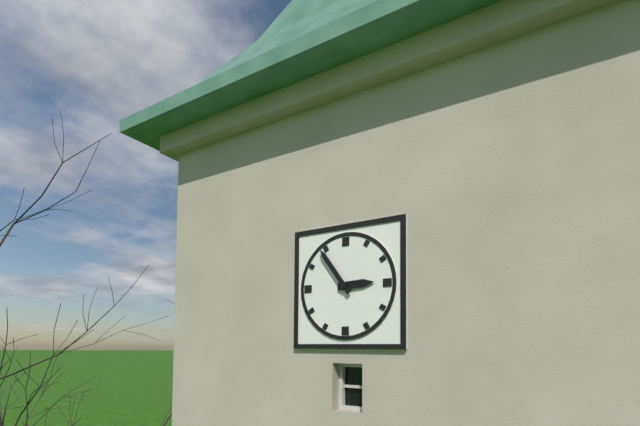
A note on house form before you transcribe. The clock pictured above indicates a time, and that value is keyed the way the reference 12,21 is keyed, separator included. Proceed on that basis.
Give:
2,54
